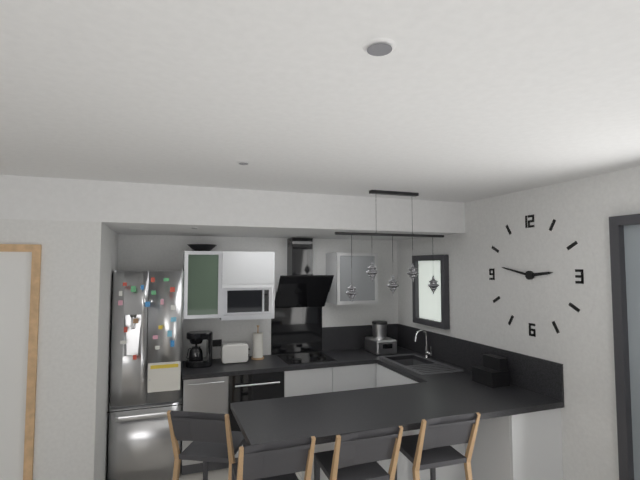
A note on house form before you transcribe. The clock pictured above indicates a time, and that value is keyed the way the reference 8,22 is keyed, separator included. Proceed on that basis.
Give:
2,47
